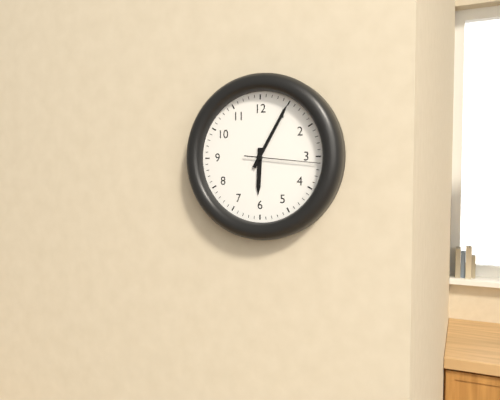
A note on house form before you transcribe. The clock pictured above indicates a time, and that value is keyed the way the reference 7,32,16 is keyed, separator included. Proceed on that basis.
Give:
6,05,16
